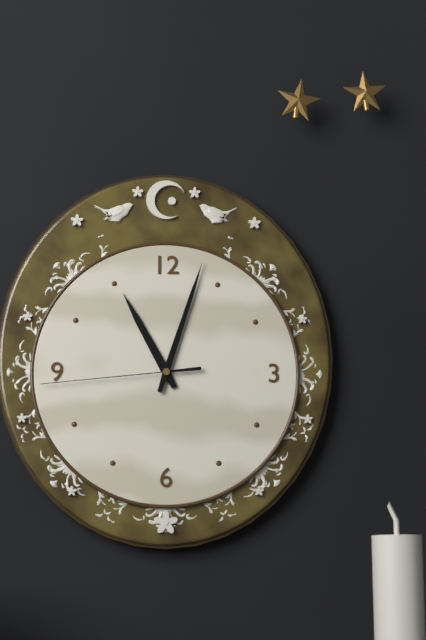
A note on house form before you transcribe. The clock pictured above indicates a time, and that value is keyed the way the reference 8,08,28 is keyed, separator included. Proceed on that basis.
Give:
11,03,44
